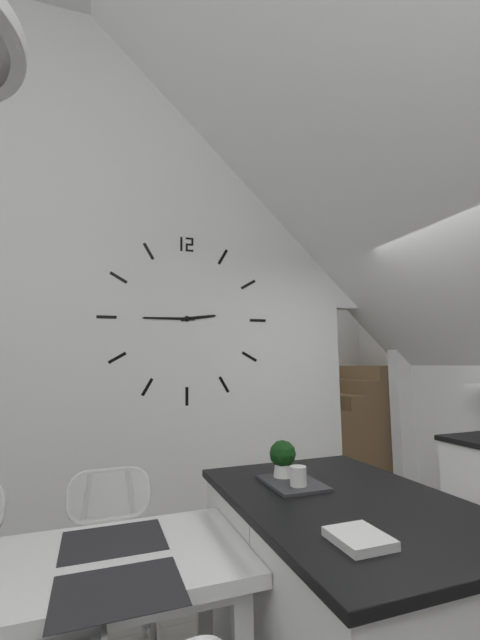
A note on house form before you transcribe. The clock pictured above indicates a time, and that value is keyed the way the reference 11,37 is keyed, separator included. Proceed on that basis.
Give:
2,45
